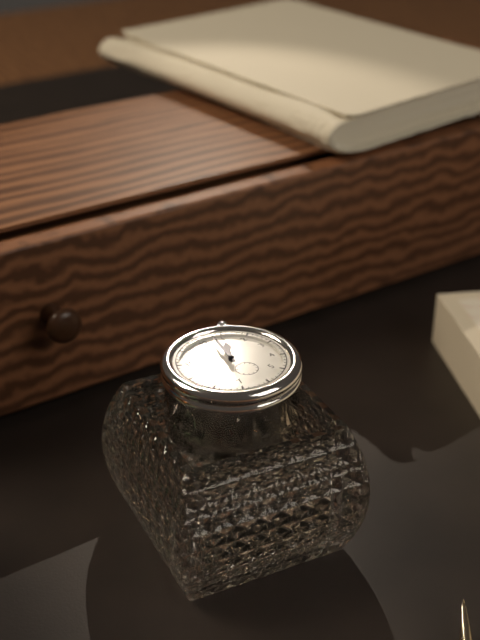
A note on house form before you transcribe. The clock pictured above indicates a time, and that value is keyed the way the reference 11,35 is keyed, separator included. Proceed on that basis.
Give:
1,03
